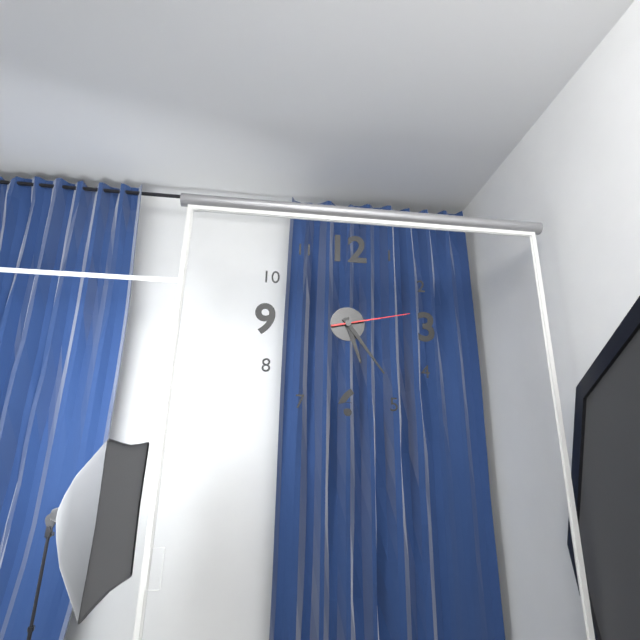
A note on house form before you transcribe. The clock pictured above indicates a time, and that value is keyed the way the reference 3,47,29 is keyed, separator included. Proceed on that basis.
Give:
5,24,13
